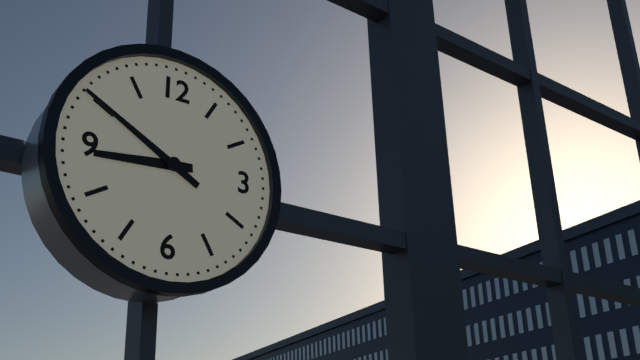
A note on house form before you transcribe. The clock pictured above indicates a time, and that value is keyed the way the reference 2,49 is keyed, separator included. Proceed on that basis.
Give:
8,50
